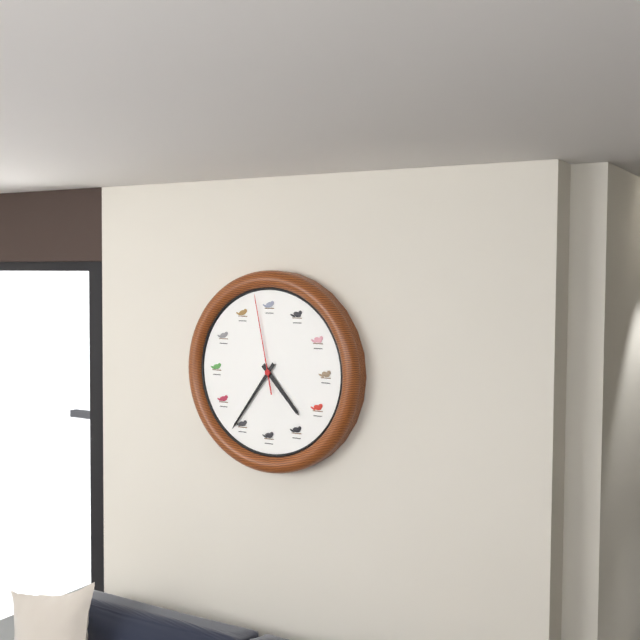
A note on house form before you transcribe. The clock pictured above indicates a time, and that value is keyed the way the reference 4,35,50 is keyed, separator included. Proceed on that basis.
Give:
4,36,58
